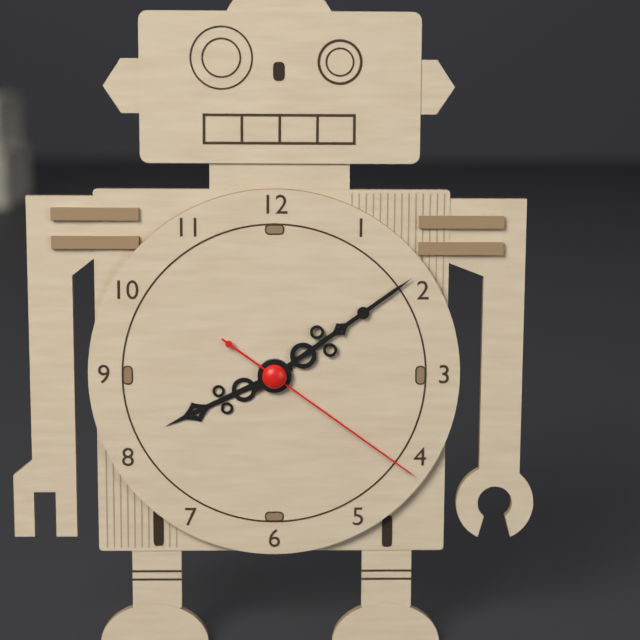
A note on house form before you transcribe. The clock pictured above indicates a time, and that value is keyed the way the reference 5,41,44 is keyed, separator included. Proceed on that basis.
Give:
8,09,21
